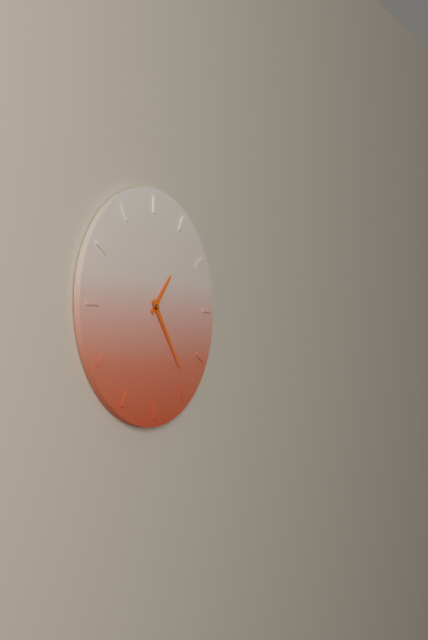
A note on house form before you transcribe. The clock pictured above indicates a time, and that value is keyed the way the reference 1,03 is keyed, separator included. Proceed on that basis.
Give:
1,24
